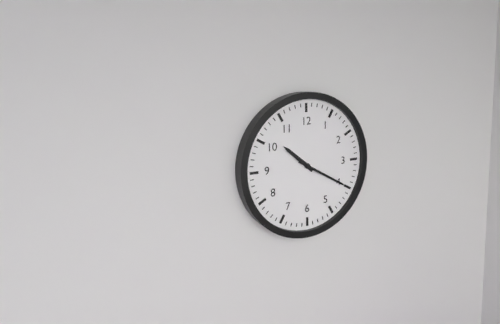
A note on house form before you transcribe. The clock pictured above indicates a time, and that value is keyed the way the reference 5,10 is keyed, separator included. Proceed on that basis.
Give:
10,20
